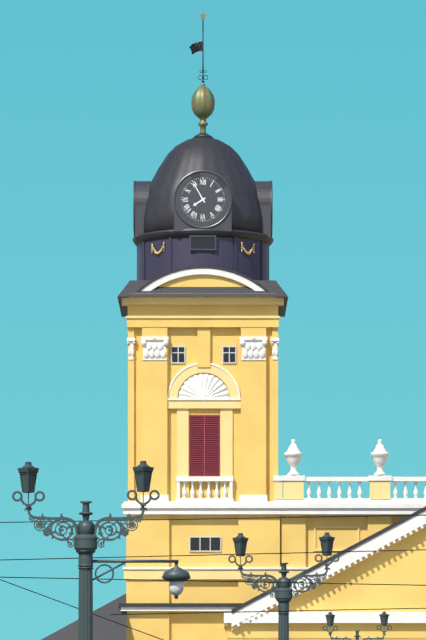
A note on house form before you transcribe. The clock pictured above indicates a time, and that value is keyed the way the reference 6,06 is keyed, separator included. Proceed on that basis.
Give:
7,55
